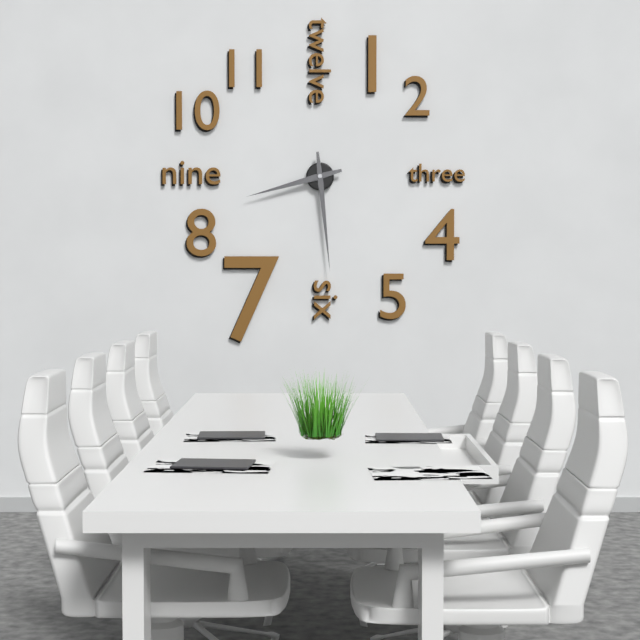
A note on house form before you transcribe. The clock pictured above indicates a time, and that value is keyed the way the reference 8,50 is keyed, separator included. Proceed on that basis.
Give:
8,29
